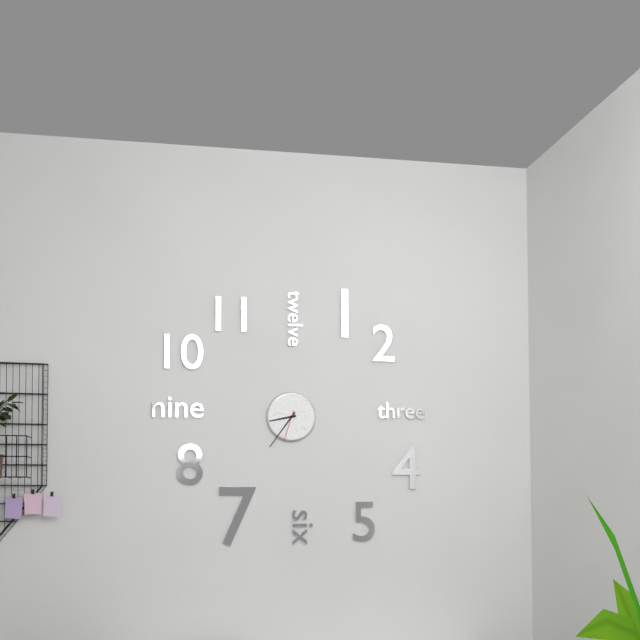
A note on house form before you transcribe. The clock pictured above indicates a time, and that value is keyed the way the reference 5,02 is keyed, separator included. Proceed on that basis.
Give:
8,36
